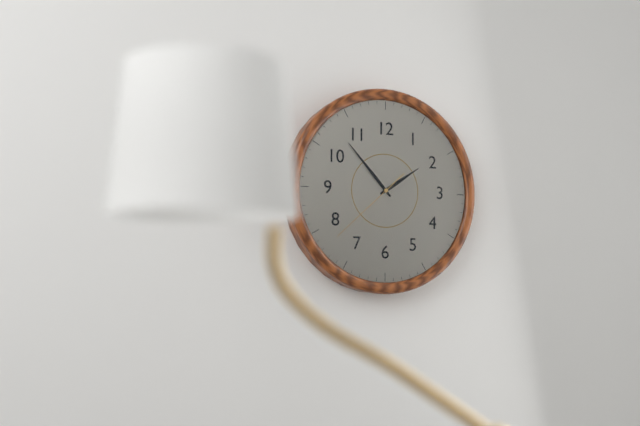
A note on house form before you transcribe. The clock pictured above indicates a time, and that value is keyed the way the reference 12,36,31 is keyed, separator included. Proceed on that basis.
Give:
1,53,38
